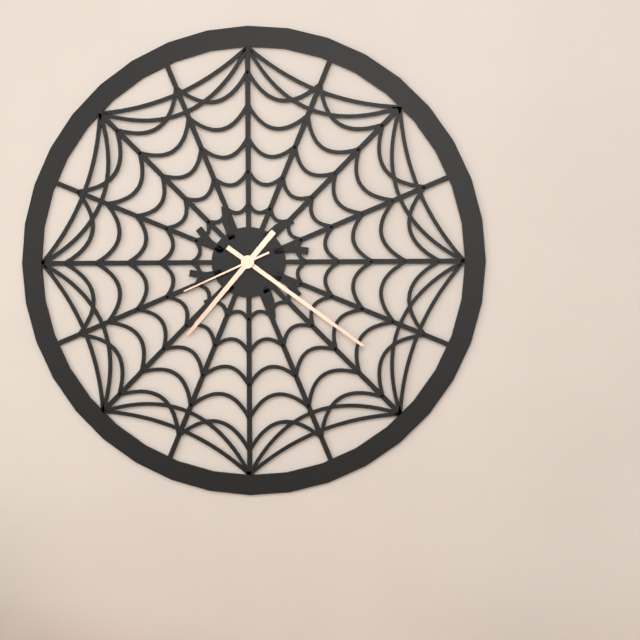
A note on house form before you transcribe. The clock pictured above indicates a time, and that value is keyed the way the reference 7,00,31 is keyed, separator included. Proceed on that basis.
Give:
7,21,41
